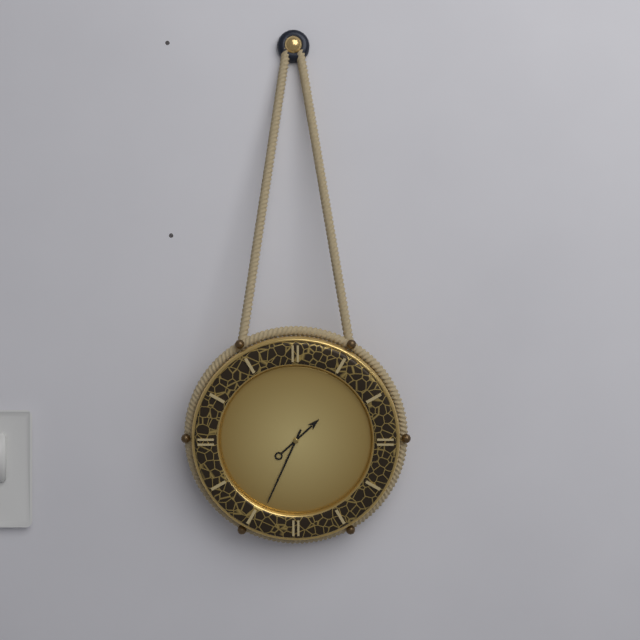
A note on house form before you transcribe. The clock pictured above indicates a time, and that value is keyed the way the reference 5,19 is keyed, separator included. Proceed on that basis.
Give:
1,34
